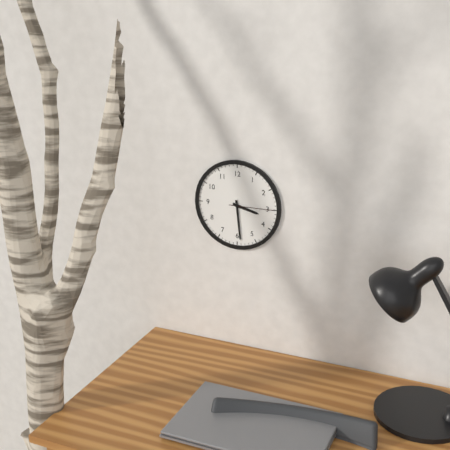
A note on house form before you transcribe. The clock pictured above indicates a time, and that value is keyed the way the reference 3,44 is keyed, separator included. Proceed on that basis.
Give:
3,29
